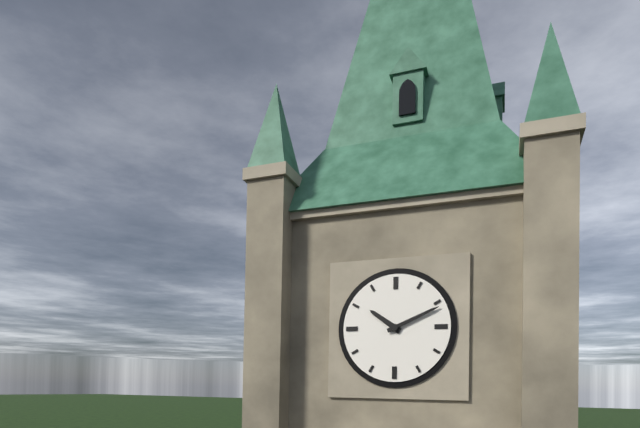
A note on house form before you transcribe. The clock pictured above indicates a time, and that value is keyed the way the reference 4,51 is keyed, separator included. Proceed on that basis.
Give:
10,11
